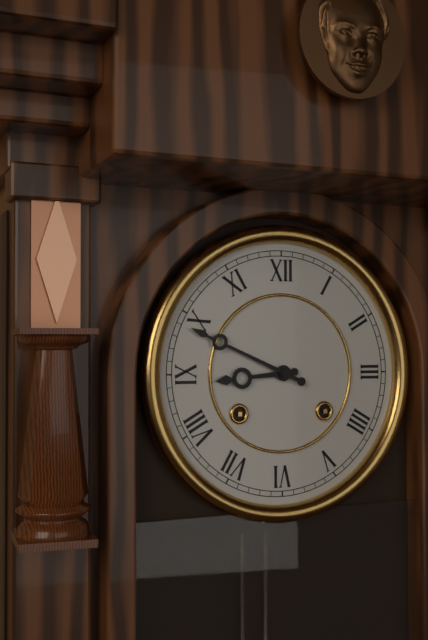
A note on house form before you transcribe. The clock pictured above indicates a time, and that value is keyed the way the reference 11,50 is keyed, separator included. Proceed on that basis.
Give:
8,49
